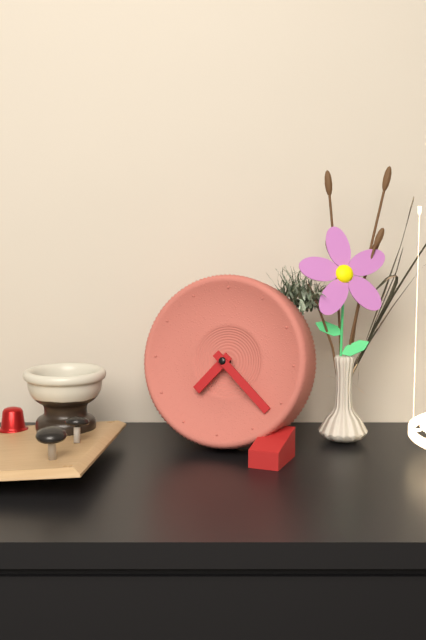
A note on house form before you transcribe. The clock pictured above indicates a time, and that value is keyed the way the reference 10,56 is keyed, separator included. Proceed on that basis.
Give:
7,22
